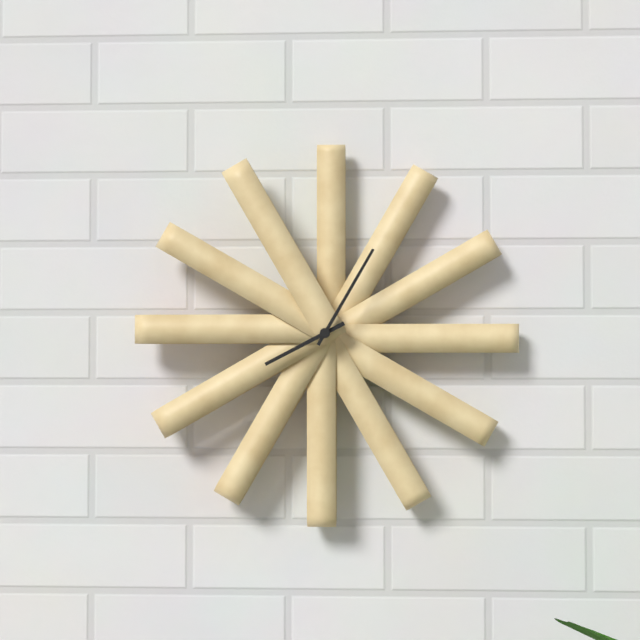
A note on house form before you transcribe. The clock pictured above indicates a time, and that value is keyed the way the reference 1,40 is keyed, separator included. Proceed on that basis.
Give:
8,05
